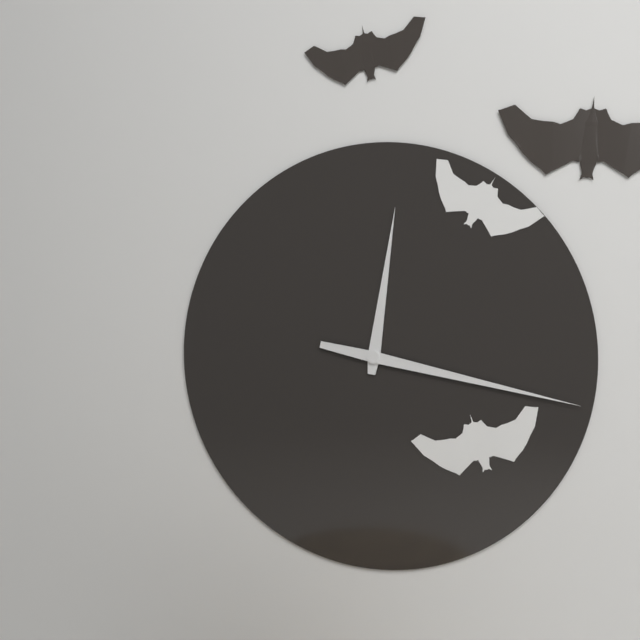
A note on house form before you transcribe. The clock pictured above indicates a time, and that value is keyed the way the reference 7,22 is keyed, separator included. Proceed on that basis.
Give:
12,17
